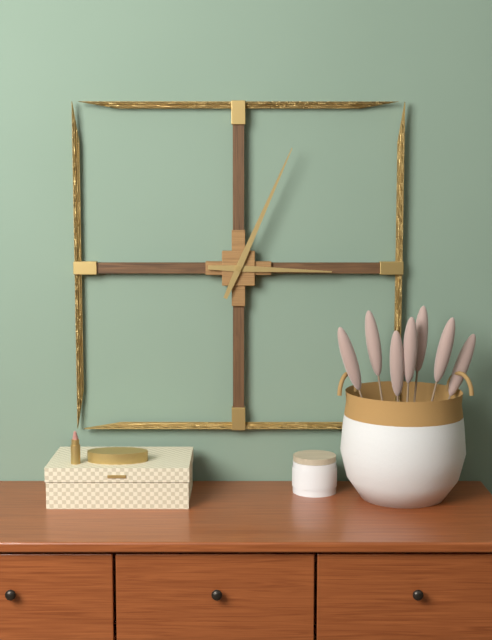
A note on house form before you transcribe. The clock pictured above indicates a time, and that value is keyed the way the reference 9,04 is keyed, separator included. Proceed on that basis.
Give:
3,04
